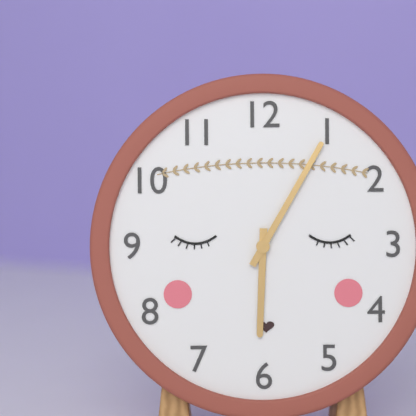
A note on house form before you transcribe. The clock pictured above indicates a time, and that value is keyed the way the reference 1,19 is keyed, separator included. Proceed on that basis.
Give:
6,05
